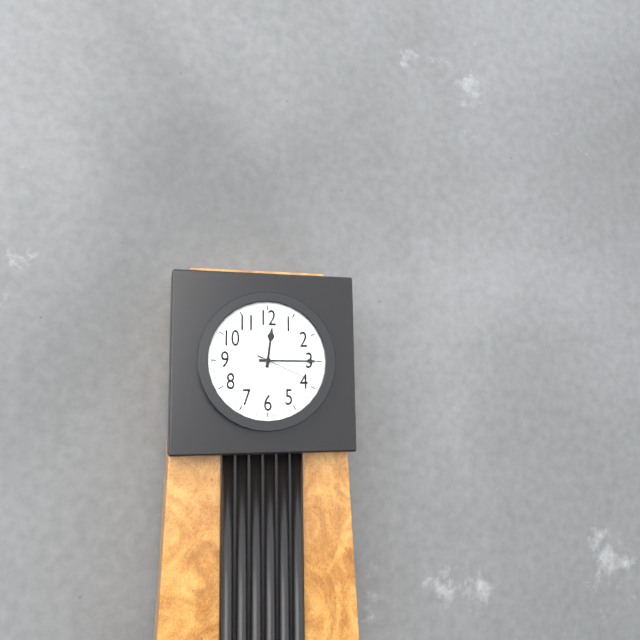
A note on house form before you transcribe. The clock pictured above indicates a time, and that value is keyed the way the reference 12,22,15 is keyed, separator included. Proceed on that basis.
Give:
12,15,19
